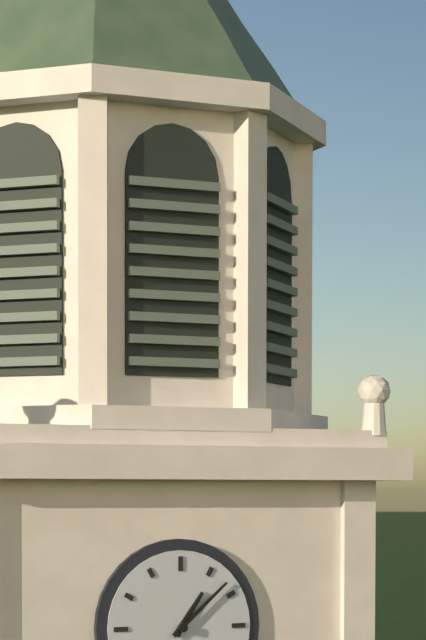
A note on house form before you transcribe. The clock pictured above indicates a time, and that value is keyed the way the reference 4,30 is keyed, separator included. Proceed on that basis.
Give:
1,08
